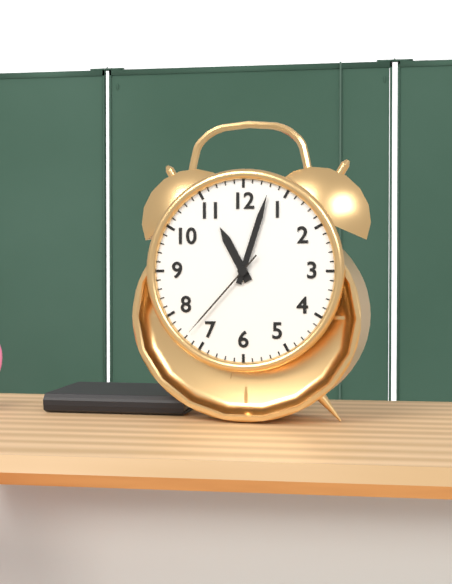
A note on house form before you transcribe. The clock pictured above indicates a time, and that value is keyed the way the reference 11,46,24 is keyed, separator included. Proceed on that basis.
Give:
11,03,37
